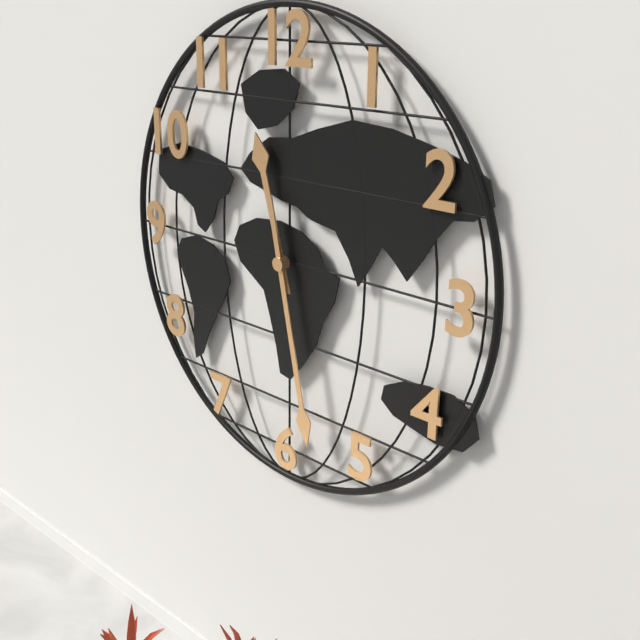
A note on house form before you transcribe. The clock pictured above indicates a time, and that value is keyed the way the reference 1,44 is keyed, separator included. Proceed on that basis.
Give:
11,28
